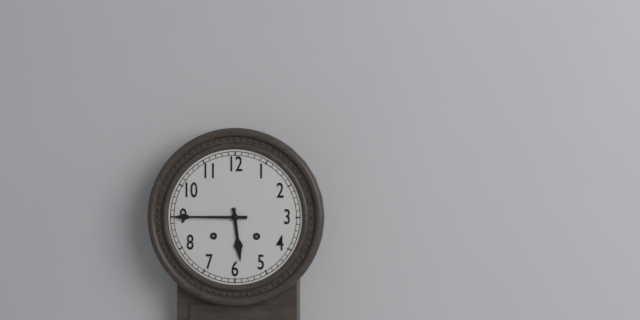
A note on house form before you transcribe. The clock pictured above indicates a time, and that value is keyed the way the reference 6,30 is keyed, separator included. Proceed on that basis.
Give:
5,45
